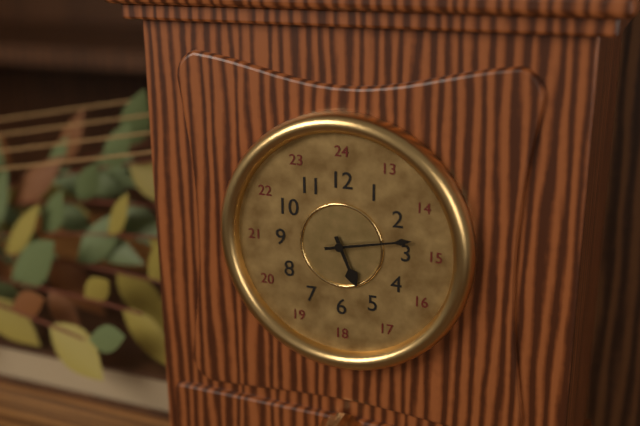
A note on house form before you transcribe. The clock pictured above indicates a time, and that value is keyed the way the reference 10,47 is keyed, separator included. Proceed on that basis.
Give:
5,13
